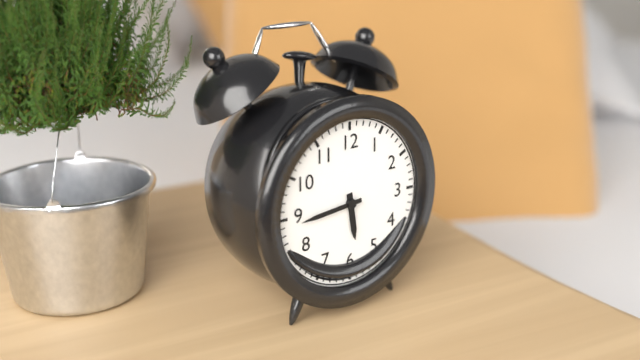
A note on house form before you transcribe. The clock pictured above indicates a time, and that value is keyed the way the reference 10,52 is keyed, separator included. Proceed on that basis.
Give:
5,44
